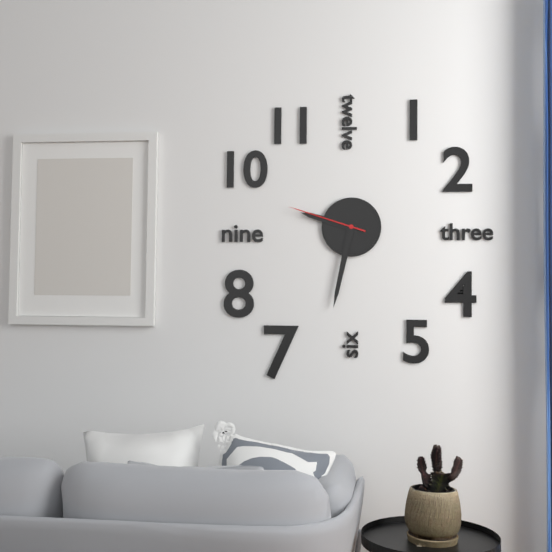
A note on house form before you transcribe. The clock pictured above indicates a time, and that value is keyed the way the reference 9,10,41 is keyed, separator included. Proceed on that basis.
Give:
9,32,48
